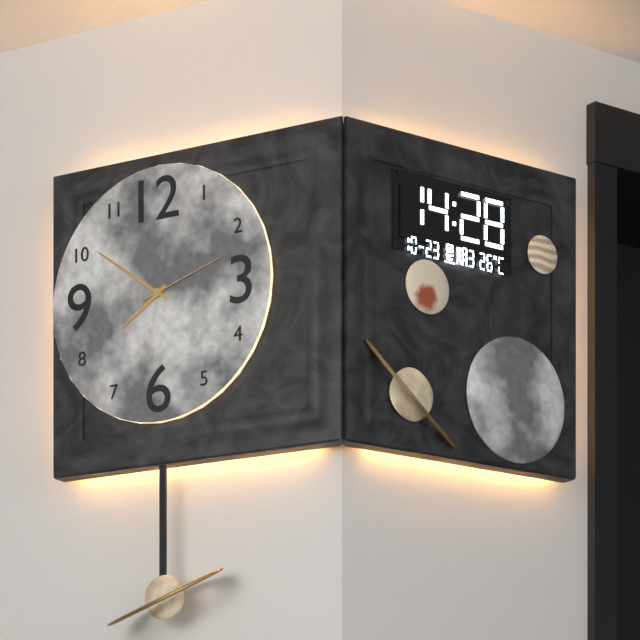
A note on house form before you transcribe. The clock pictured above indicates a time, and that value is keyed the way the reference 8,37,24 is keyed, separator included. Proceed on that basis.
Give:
7,51,12
